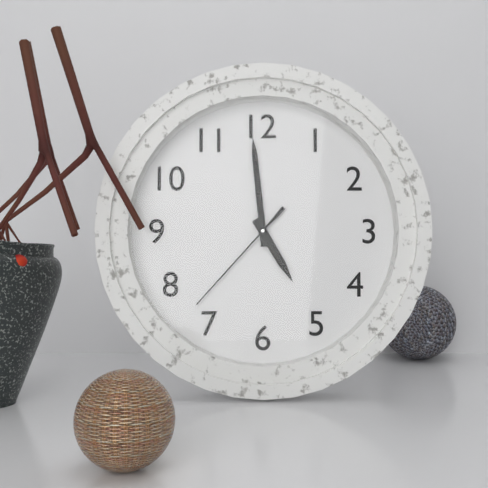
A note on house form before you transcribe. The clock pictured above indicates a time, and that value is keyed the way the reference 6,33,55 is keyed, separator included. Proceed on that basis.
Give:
4,59,37
